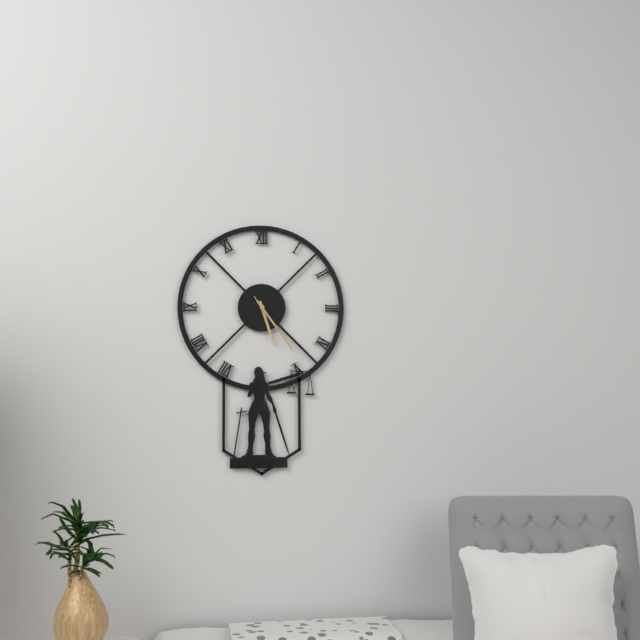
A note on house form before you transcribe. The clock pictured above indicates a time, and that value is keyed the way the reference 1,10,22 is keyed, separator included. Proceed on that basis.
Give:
5,24,24
